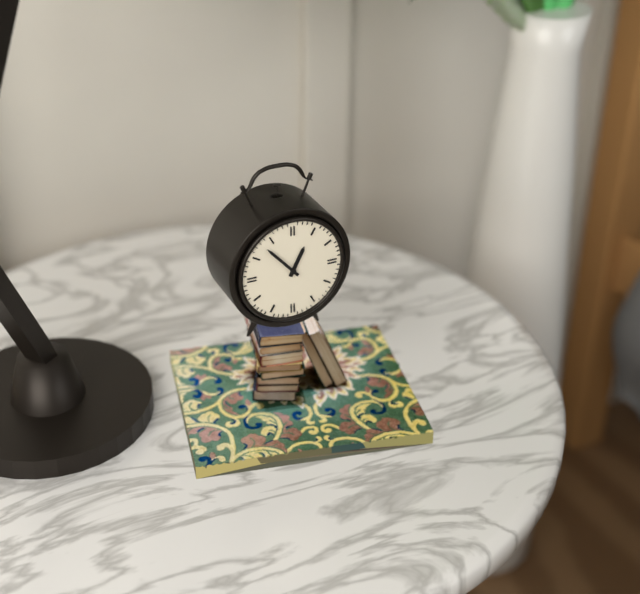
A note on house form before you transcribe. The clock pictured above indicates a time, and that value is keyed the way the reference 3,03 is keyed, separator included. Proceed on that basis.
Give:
12,53
